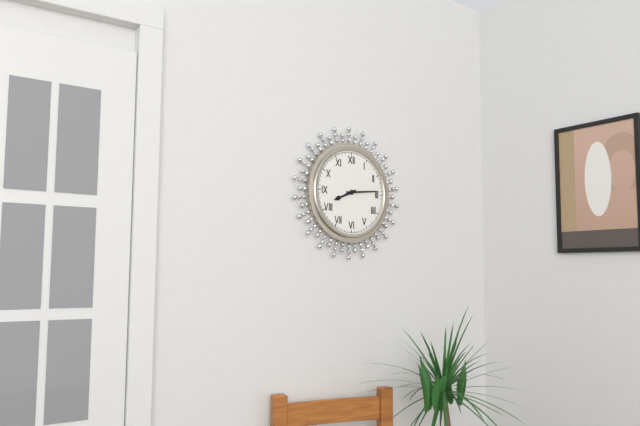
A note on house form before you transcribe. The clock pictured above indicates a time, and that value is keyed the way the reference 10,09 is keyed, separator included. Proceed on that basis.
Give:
8,14
